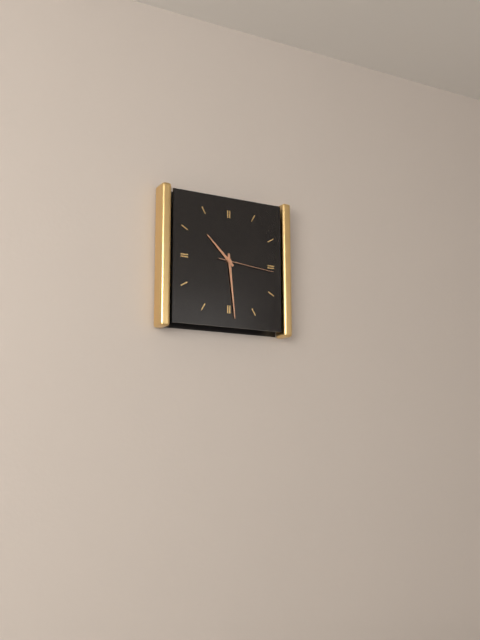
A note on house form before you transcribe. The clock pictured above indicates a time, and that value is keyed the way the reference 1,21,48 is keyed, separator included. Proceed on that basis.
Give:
10,29,16
